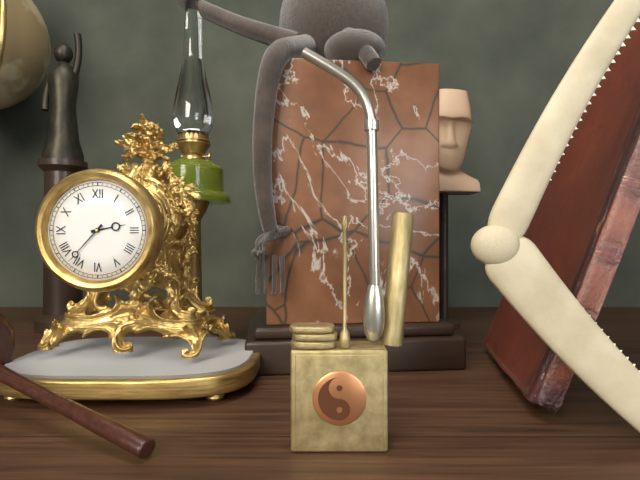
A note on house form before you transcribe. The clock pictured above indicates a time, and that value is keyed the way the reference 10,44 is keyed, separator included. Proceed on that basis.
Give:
2,37
